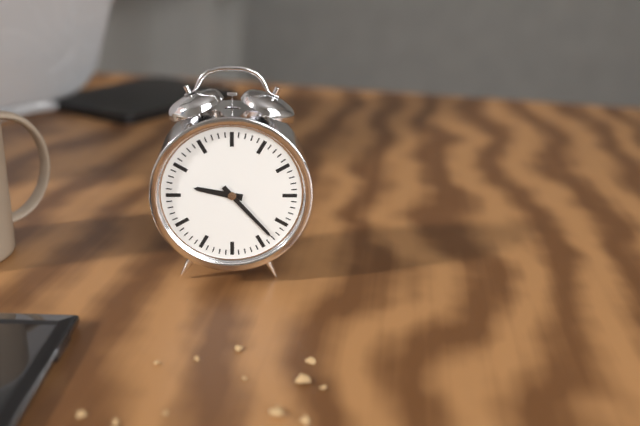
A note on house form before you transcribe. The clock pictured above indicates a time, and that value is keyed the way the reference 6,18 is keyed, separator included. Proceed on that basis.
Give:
9,23
